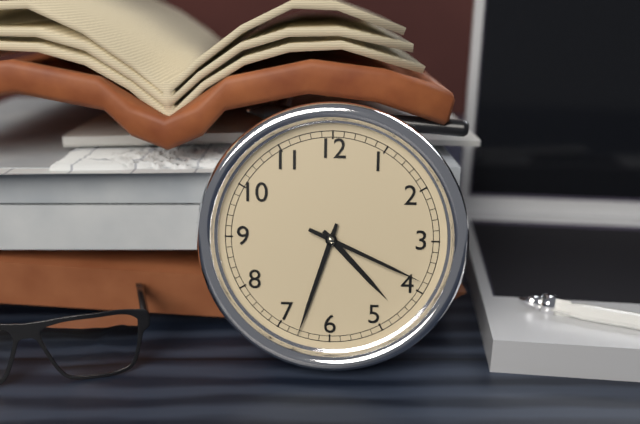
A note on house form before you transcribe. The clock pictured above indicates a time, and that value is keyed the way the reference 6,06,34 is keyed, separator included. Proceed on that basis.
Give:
4,33,19
